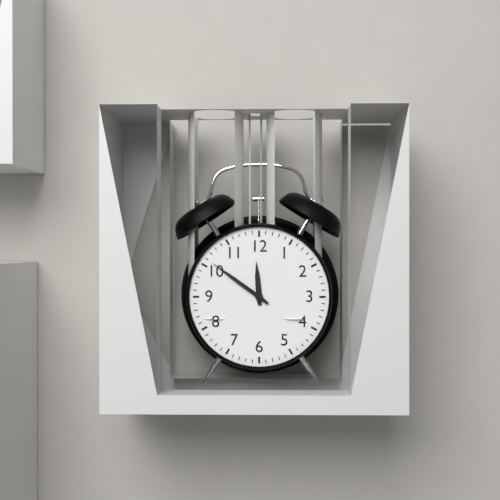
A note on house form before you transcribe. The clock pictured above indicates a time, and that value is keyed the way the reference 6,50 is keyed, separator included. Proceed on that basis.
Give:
11,51
